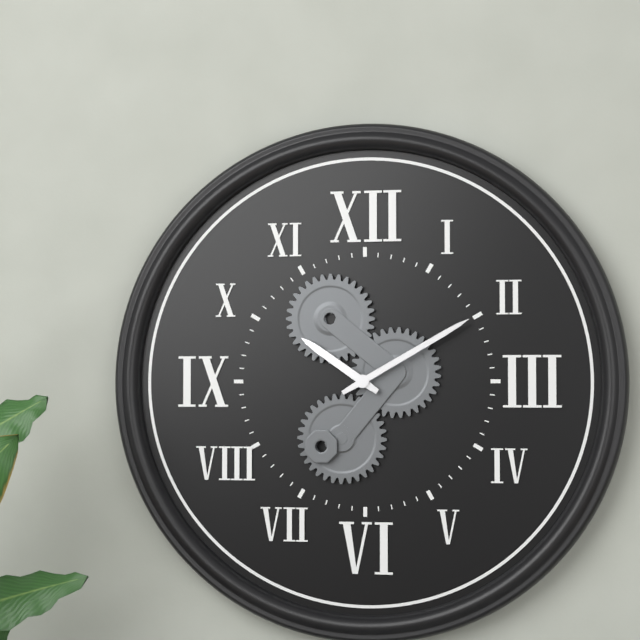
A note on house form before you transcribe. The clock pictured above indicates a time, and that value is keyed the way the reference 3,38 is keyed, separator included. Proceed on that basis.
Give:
10,10
